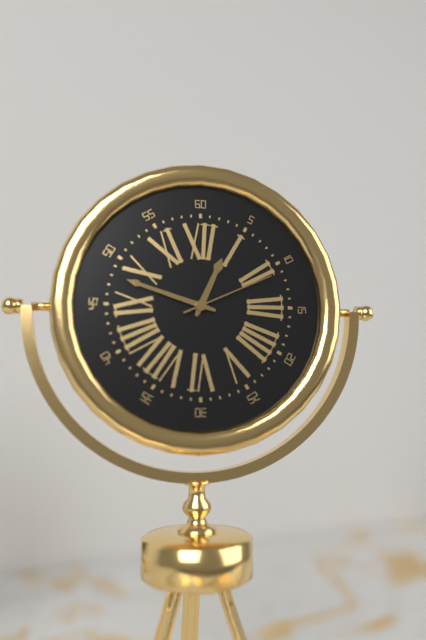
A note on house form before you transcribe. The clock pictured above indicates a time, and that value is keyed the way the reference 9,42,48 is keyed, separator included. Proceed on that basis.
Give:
12,48,11
